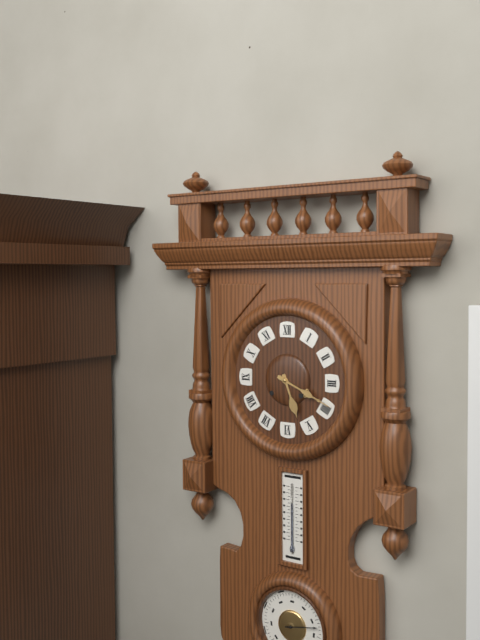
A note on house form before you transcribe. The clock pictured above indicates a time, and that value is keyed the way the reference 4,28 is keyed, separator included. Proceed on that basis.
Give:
5,19
